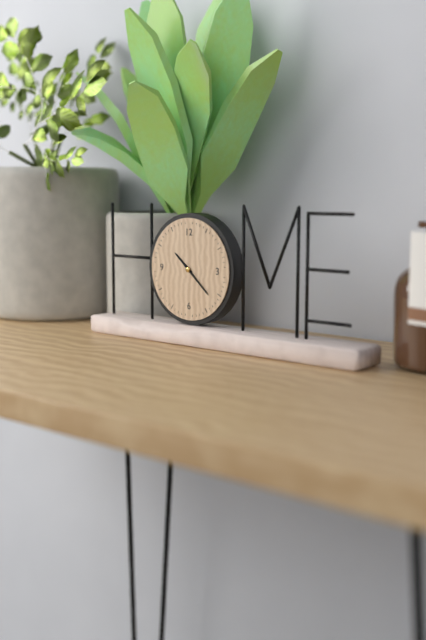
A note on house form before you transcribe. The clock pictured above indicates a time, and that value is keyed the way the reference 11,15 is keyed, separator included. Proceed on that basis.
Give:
10,22
